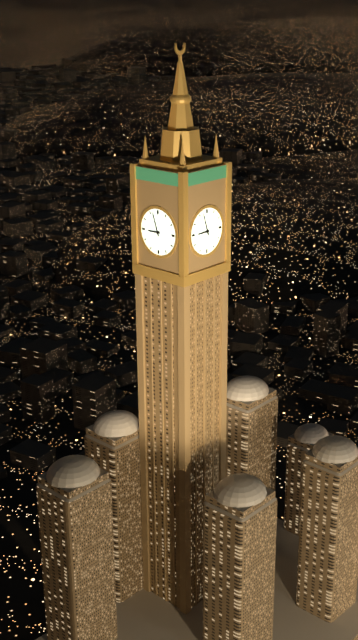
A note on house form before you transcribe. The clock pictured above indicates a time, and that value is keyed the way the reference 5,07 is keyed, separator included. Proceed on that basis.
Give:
8,57
